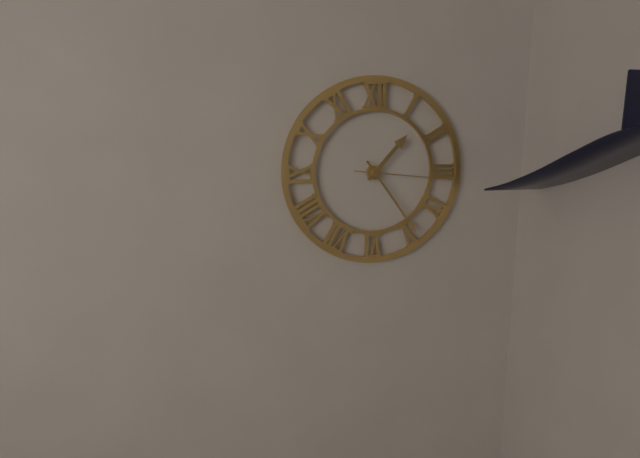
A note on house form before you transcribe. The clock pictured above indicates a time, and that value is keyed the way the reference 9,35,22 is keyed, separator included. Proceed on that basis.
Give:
1,24,16
